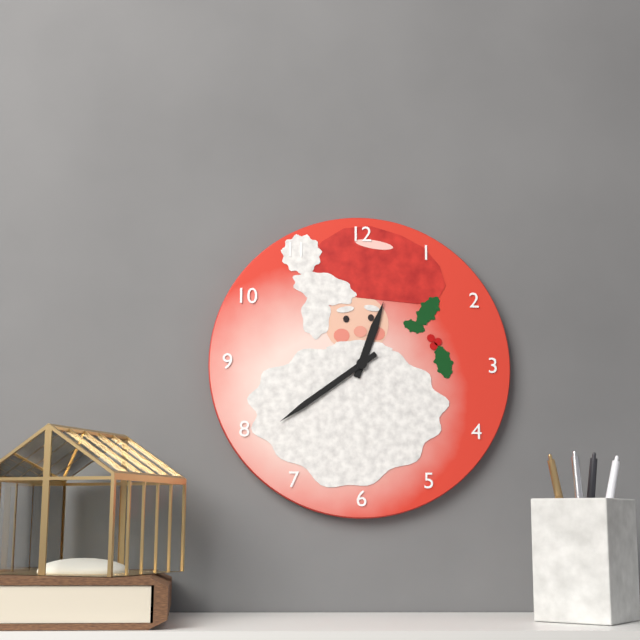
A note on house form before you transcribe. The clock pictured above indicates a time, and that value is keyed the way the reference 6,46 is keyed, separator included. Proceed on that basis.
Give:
12,39
